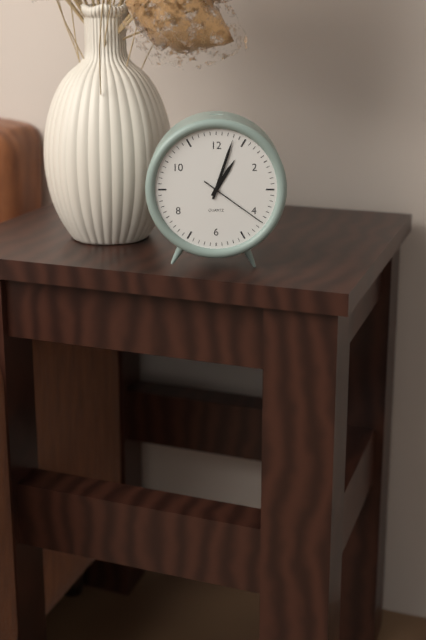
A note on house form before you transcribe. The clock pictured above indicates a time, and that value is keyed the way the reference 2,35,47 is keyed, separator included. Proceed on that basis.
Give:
1,03,21
